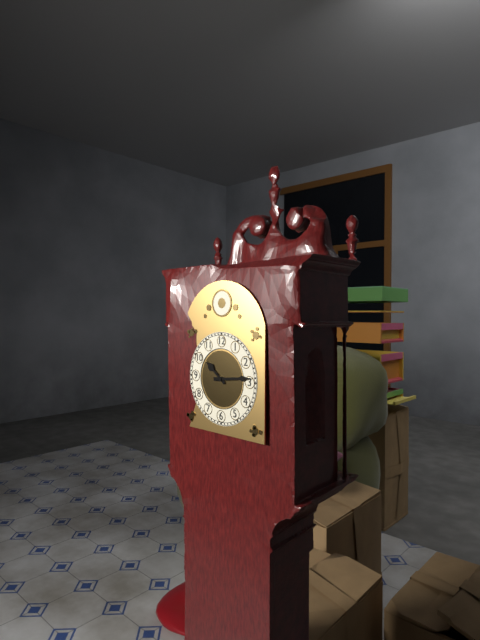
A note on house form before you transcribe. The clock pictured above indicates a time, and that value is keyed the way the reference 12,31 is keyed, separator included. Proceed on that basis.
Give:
10,14
